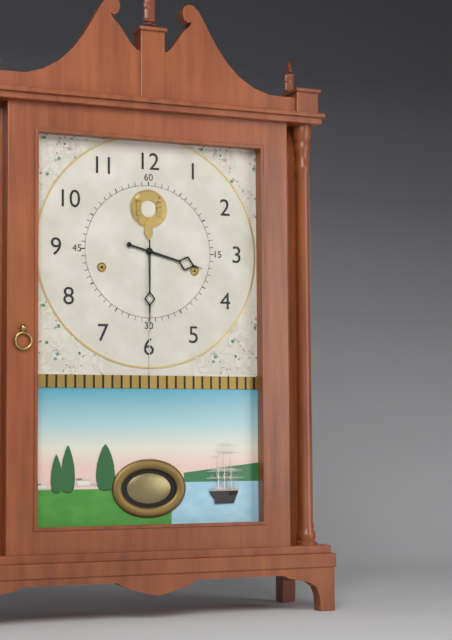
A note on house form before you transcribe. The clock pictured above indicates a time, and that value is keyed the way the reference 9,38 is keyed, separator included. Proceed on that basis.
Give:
3,30
